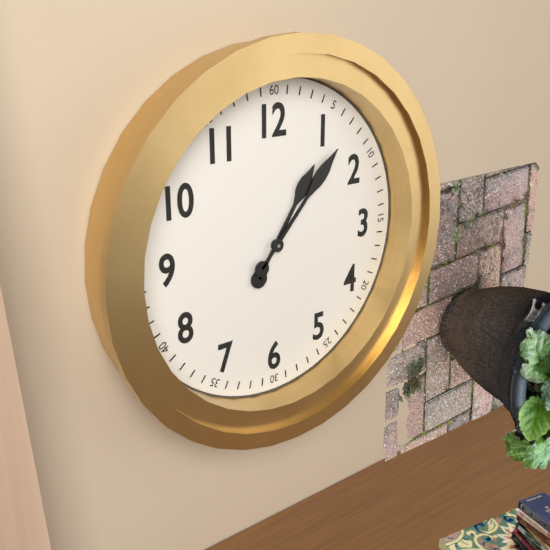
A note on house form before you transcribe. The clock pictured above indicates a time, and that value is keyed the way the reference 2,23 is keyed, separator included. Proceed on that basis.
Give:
1,07
